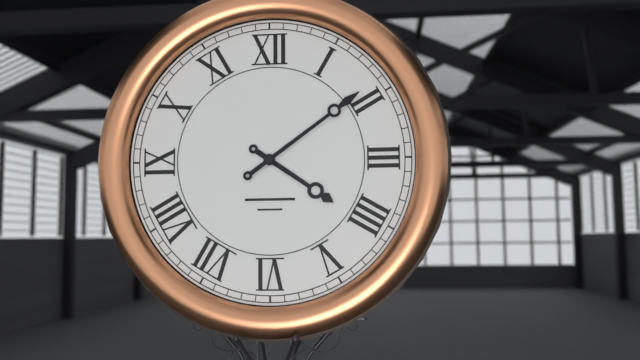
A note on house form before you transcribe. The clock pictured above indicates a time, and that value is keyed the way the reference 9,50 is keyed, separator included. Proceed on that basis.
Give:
4,09
